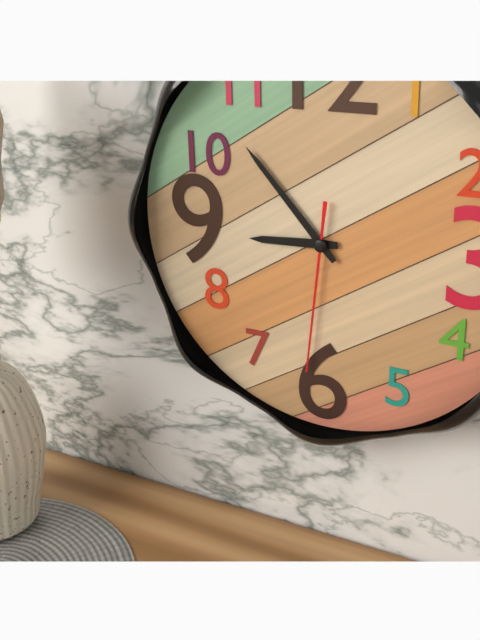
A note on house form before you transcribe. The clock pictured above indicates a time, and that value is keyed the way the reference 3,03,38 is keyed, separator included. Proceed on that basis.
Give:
8,53,31
